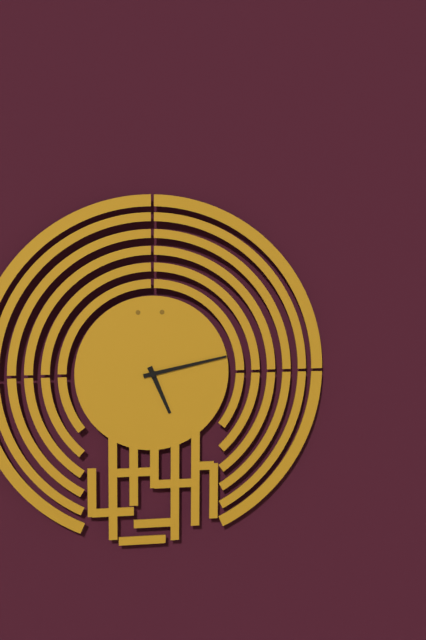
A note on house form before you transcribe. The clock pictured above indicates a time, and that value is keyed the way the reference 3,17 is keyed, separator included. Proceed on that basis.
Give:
5,13
